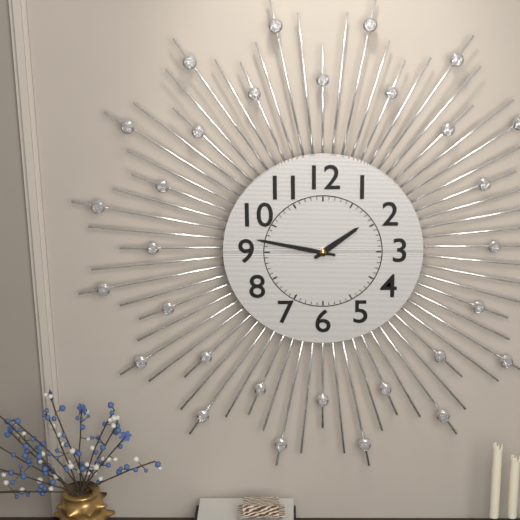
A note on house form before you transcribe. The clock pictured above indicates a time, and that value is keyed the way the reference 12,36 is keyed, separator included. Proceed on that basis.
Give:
1,47
